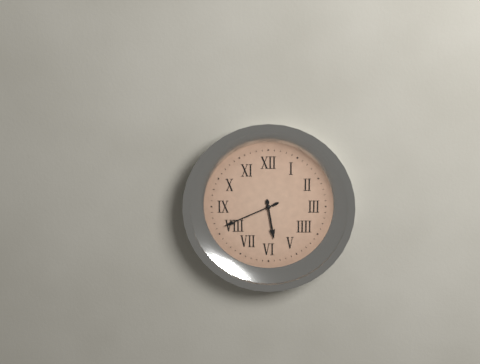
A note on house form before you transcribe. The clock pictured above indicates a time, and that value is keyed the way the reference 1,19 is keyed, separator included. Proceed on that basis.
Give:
5,41
